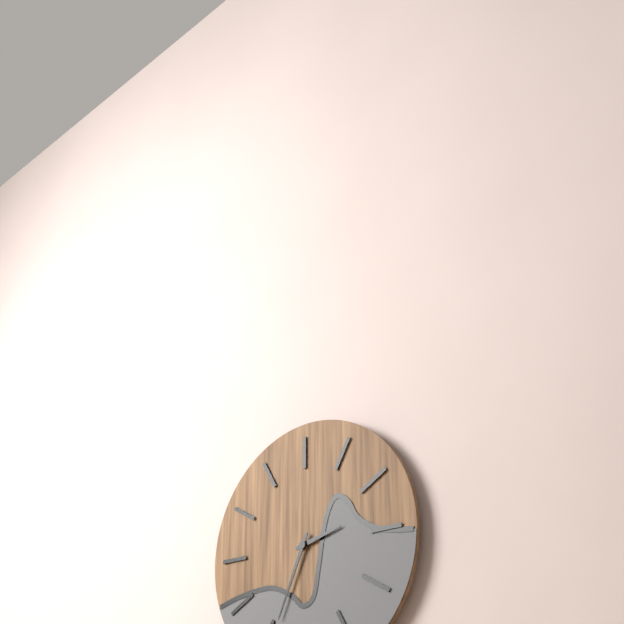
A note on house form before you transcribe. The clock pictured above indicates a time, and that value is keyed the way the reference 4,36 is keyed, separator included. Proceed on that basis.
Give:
2,34
